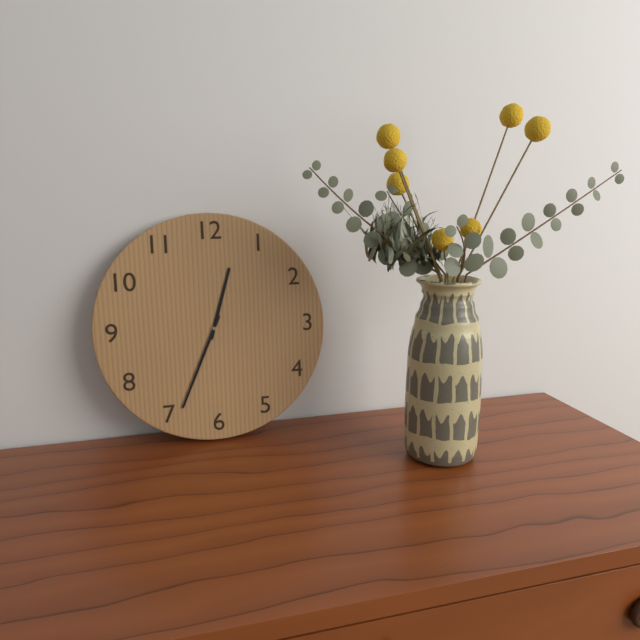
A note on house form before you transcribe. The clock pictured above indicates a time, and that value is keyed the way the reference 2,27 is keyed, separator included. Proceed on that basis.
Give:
12,34
